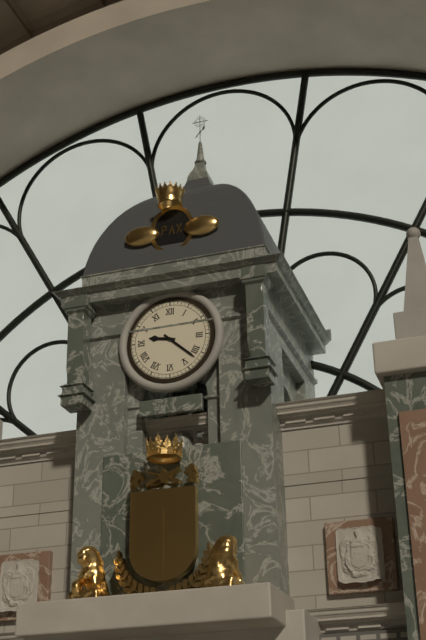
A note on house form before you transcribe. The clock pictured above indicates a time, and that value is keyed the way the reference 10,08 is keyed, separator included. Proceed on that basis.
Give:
9,22
